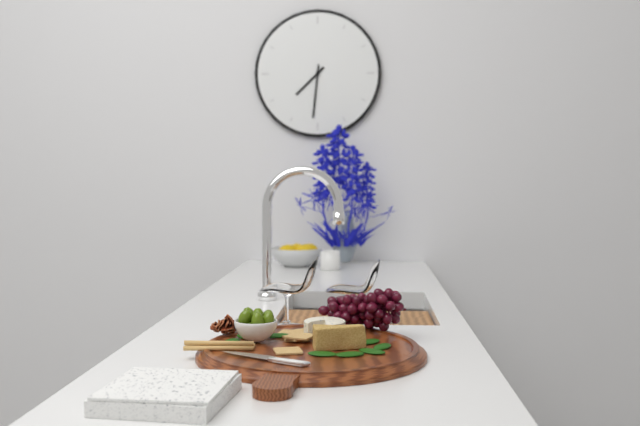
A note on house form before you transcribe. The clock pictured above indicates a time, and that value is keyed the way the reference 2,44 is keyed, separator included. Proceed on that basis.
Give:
7,31
